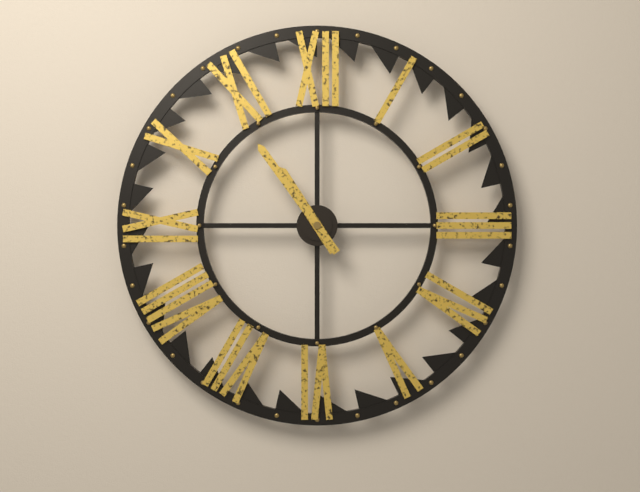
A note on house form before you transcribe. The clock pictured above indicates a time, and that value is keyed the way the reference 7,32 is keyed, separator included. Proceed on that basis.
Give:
10,54
